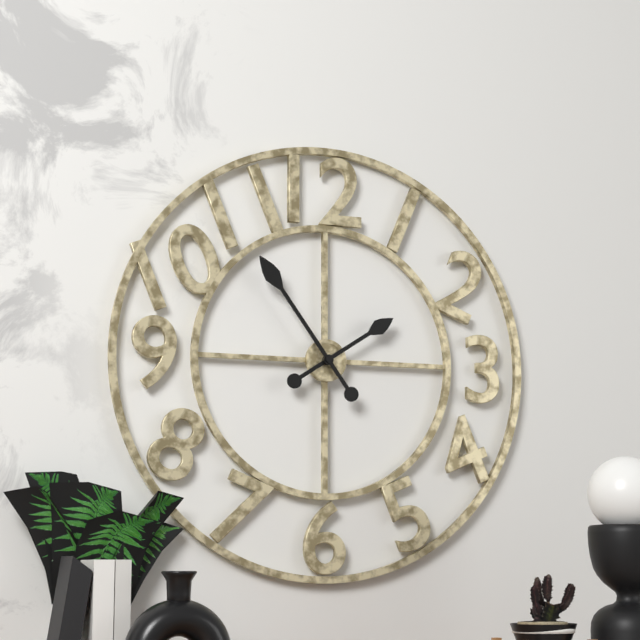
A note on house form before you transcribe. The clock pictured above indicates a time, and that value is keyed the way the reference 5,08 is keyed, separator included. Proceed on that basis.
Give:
1,54
